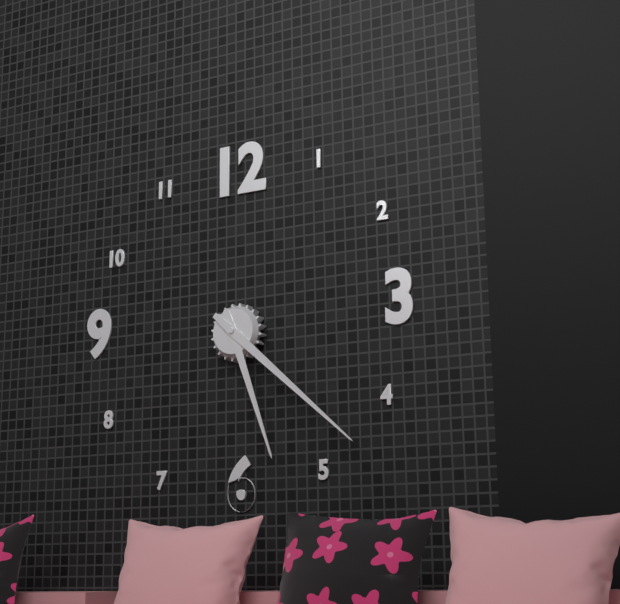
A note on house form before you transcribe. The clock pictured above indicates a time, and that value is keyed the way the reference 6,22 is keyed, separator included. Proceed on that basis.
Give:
5,22
